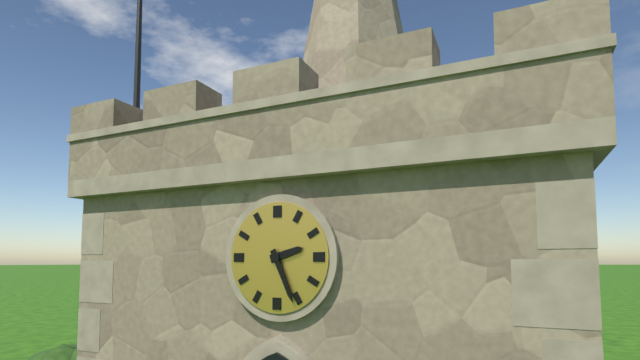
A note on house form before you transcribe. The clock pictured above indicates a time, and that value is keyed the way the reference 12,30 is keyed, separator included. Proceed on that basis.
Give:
2,26
